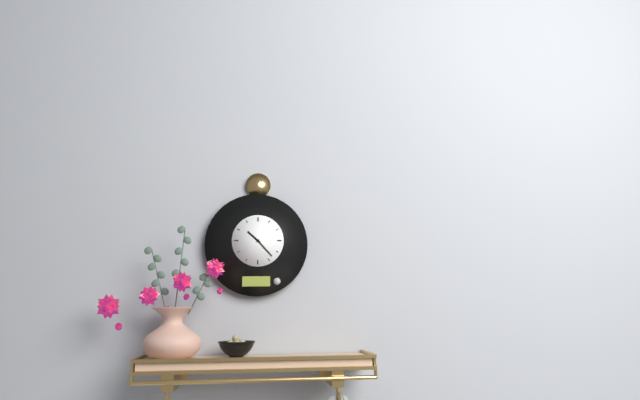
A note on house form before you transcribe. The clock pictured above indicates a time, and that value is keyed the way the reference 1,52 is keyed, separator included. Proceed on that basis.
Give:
10,23
